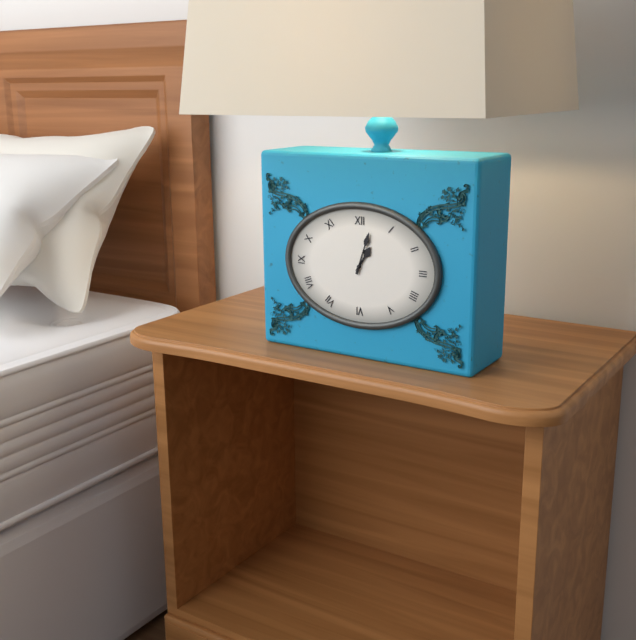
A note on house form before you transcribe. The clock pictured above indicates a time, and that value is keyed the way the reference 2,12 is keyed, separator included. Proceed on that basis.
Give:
1,03
